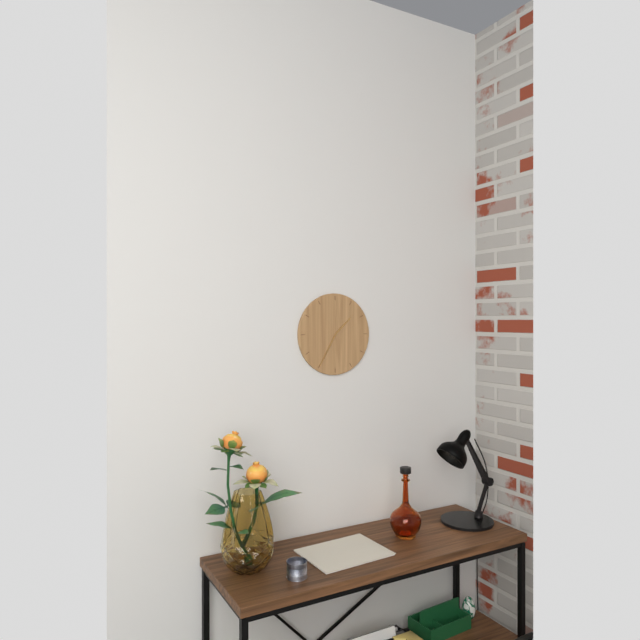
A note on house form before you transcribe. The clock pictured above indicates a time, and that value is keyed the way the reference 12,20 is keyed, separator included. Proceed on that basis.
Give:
1,35
